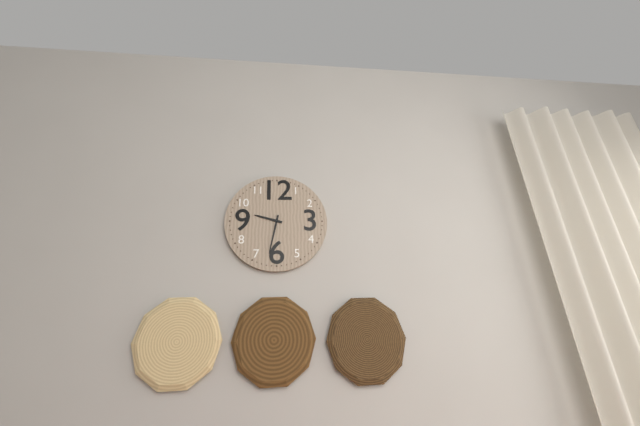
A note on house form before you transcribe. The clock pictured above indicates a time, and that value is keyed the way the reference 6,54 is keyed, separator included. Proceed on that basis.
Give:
9,32
